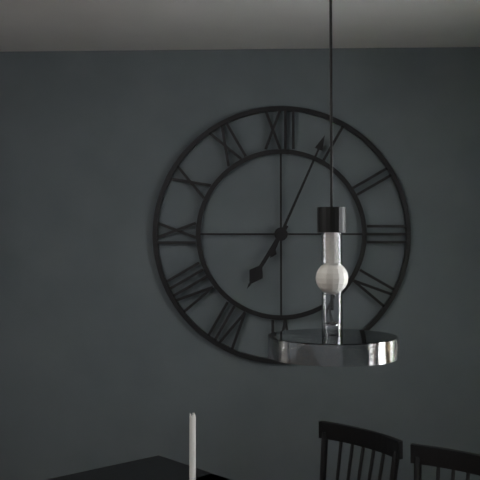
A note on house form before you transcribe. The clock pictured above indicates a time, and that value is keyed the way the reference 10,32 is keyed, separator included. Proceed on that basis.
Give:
7,04
